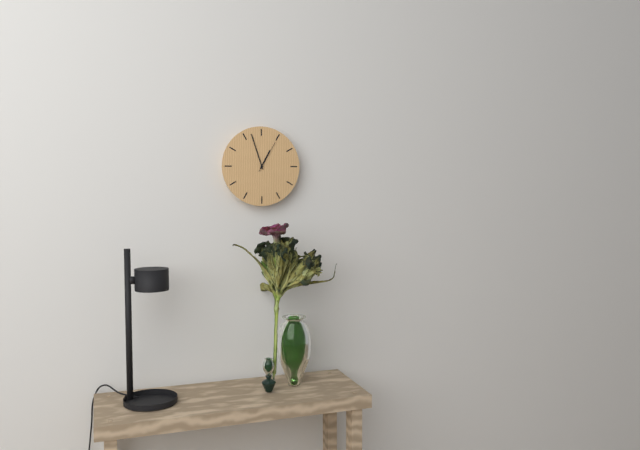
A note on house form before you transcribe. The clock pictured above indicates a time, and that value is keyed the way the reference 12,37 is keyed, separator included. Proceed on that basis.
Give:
12,57
